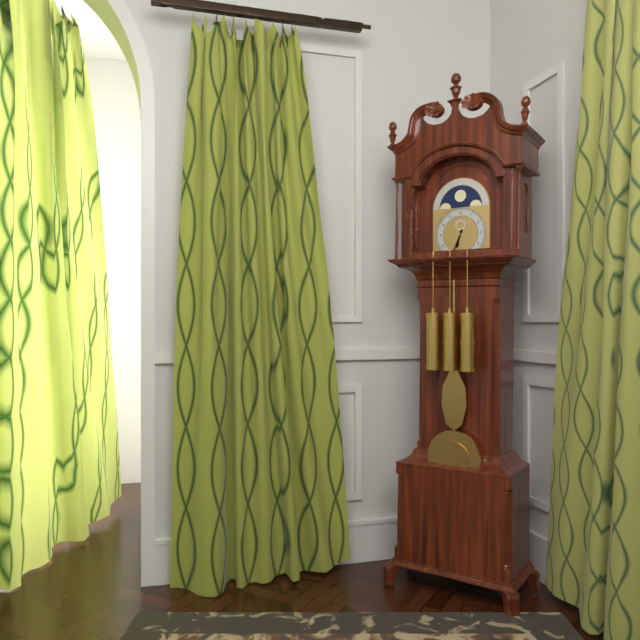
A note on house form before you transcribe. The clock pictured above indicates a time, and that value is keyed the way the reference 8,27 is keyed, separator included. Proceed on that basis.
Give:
6,34
